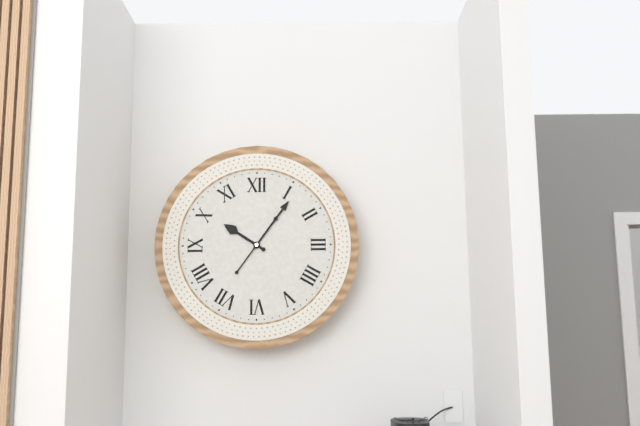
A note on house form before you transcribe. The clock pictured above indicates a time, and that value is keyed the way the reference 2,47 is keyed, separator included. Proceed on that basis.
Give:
10,06
